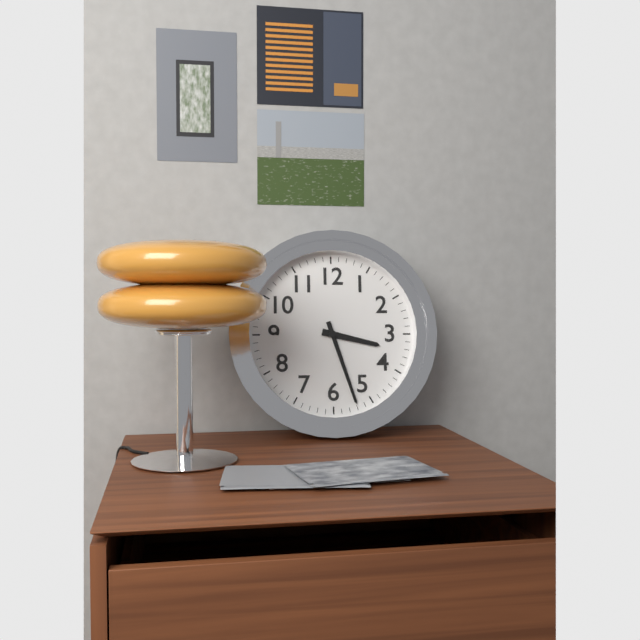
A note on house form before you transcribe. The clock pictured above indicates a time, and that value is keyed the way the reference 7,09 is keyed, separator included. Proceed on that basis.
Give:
3,27
